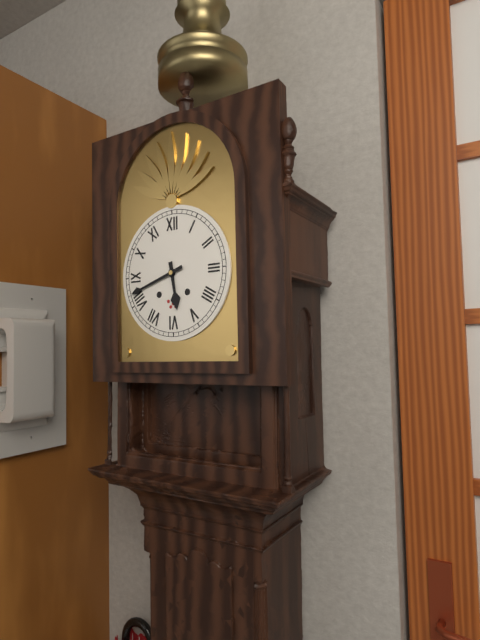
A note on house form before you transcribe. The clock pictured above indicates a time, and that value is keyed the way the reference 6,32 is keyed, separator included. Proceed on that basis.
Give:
5,42
